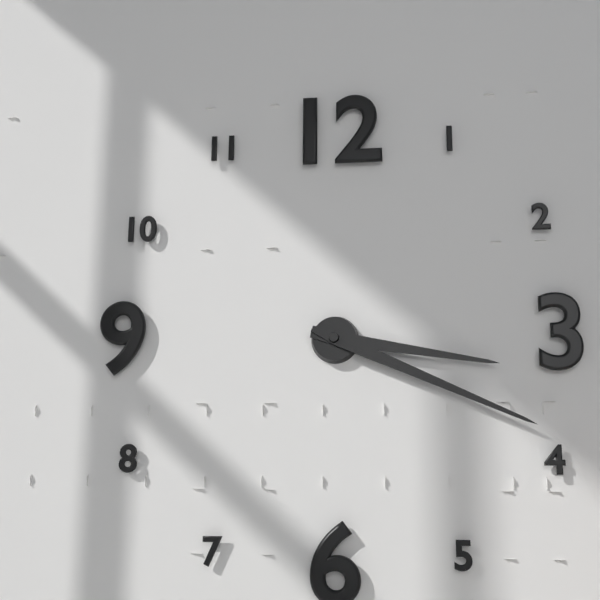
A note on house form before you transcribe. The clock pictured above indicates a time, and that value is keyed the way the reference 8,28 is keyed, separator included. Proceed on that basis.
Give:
3,19
